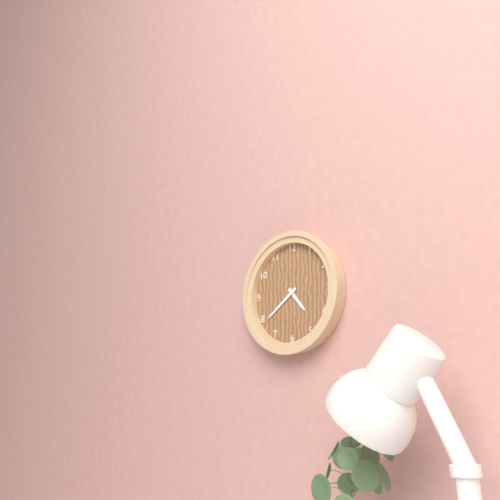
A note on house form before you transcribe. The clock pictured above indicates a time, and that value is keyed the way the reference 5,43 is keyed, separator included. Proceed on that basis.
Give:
4,39
